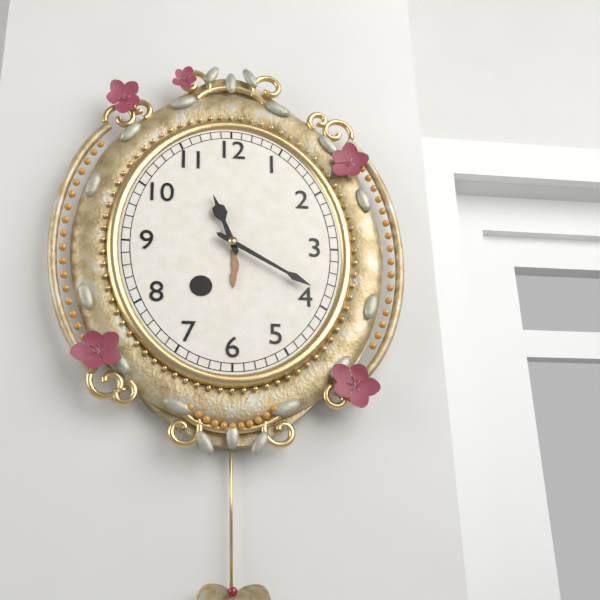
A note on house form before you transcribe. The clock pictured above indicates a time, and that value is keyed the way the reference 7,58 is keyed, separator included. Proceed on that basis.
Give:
11,20
